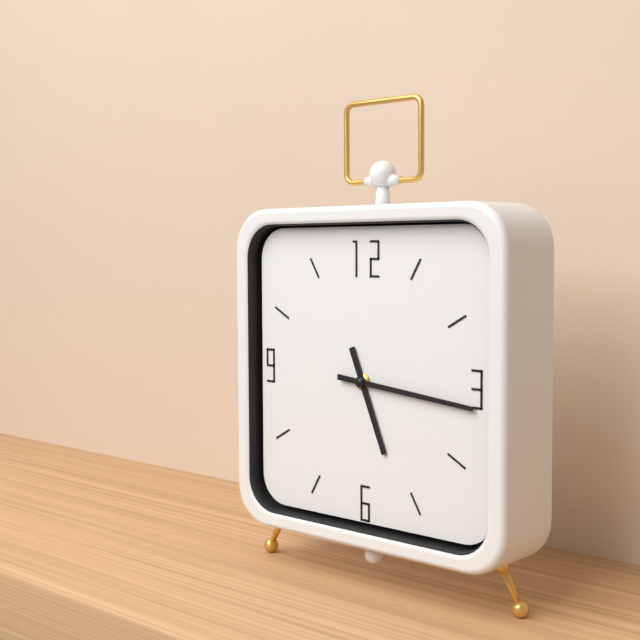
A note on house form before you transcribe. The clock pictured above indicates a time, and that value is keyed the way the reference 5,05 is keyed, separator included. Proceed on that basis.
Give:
5,16
